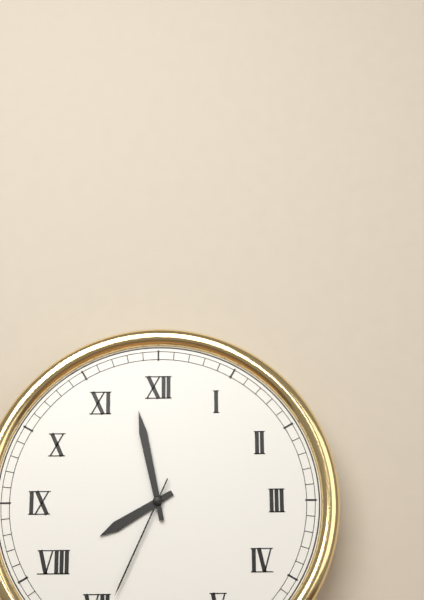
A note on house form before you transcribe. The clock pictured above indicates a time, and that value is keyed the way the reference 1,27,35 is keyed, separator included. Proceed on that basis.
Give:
7,58,34
